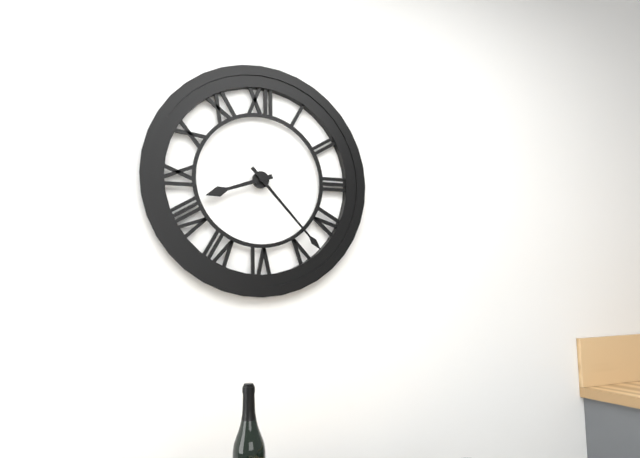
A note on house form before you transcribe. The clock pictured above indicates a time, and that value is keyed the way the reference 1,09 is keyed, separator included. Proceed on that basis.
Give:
8,23
